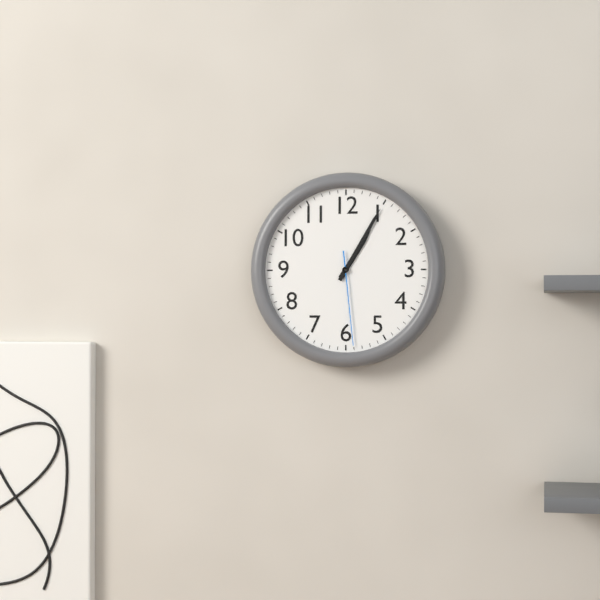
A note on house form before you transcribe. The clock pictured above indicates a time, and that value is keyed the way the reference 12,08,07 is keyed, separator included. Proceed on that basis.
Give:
1,05,29
